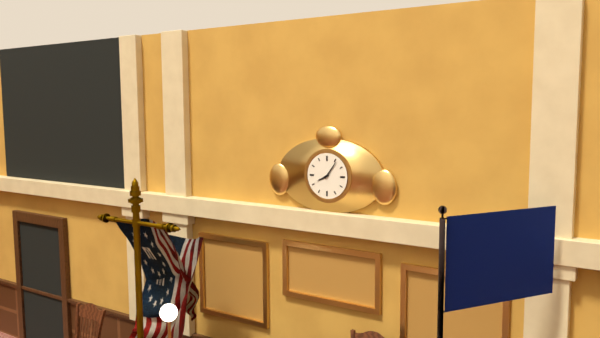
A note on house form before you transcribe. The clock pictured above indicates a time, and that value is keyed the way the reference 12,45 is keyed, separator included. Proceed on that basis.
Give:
8,06
